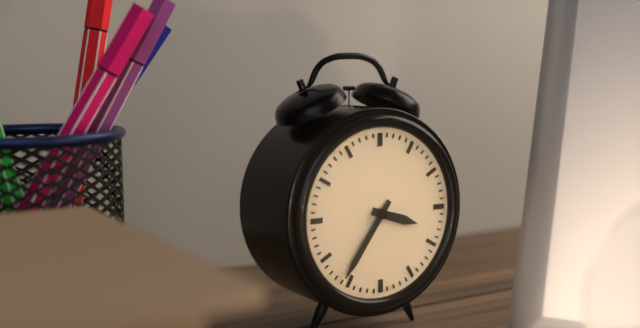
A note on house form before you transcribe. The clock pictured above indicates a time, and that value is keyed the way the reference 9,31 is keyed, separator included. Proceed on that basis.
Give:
3,36
